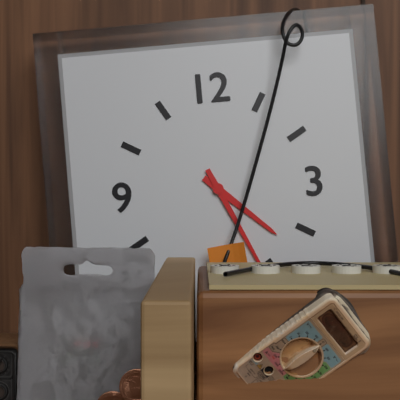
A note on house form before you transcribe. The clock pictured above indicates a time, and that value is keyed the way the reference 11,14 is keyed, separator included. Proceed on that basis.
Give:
4,26
